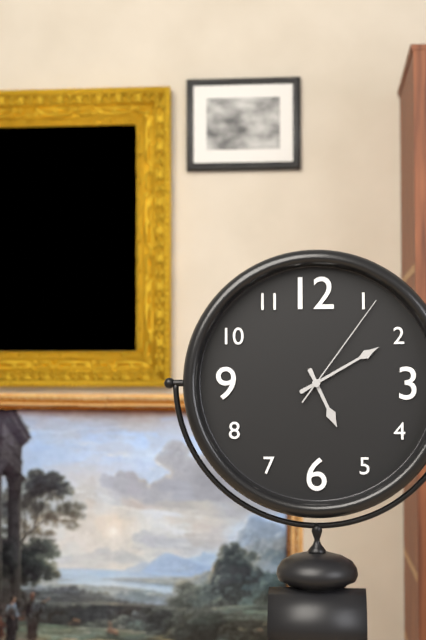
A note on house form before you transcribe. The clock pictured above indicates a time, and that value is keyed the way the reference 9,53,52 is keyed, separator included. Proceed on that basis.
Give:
5,10,06
